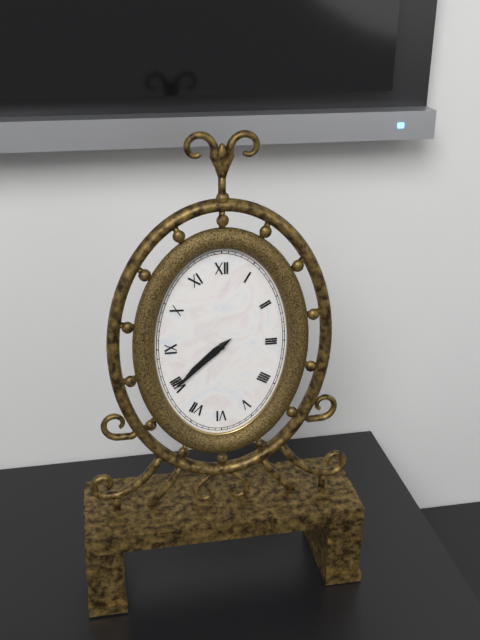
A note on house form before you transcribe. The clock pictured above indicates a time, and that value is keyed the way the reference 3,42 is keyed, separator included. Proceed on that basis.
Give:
7,38
